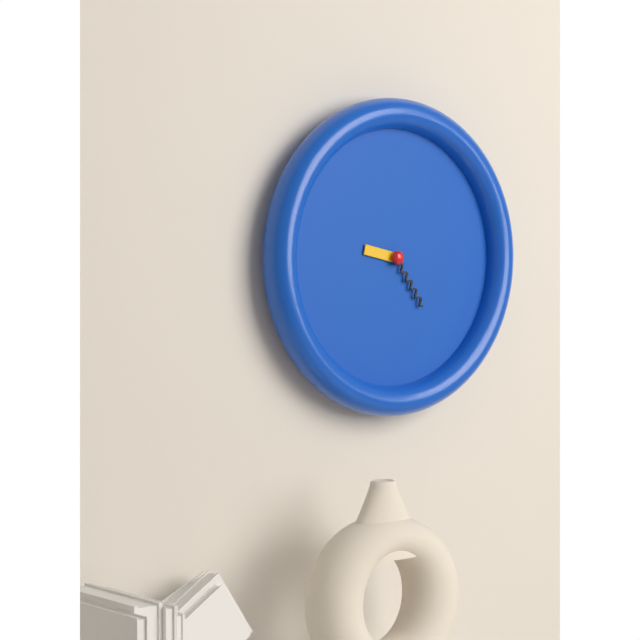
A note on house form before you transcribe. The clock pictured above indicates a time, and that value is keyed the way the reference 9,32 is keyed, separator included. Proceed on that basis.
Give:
9,24
